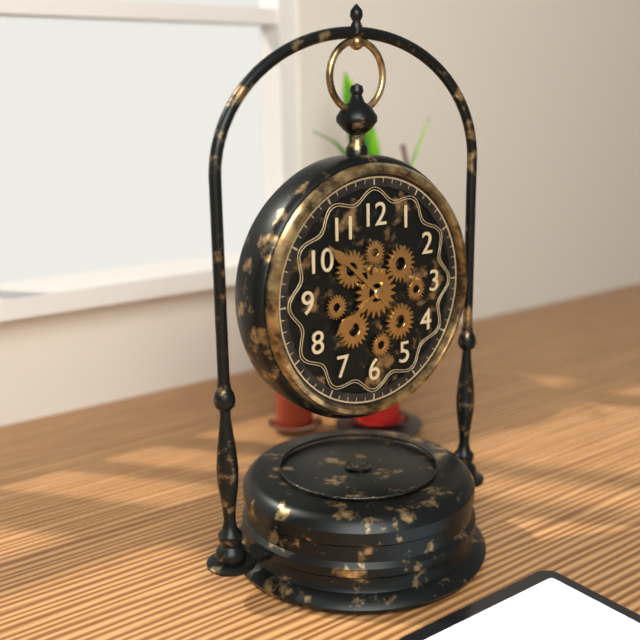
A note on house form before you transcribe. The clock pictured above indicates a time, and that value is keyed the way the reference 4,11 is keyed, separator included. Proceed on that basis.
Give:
7,52
